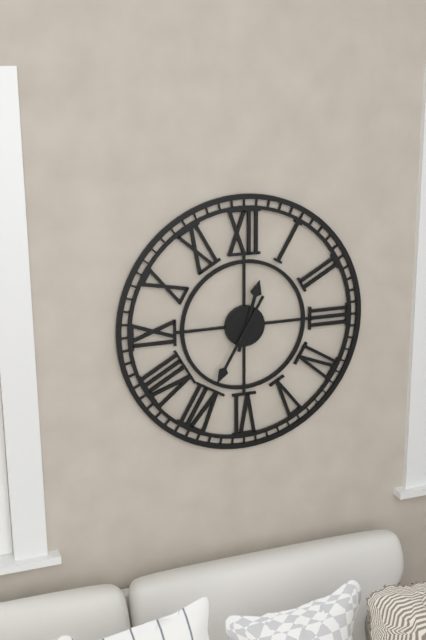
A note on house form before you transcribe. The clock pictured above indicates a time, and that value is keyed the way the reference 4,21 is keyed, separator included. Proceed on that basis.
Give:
12,35
